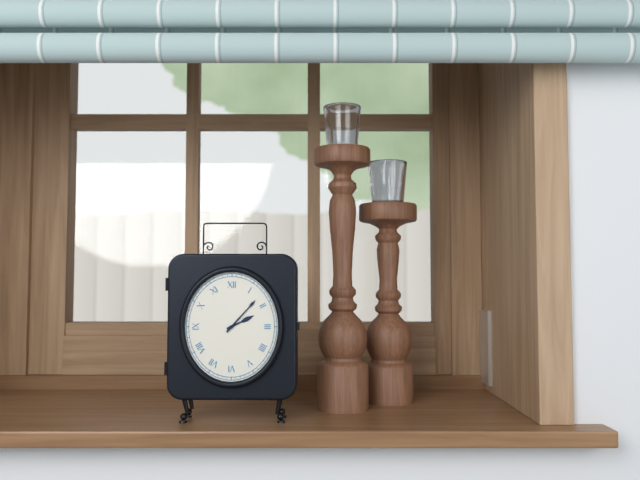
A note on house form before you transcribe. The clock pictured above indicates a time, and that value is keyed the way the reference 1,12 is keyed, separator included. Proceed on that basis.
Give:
2,07
